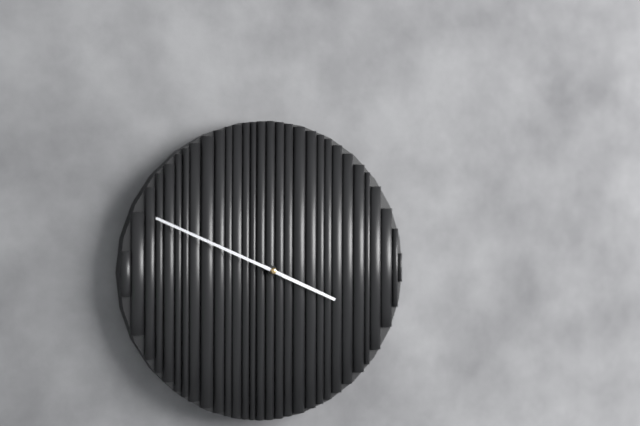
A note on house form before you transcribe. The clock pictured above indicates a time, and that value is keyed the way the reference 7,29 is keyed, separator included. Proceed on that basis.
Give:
3,49
